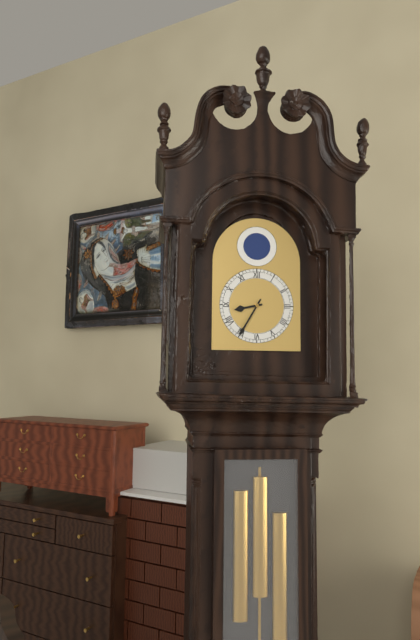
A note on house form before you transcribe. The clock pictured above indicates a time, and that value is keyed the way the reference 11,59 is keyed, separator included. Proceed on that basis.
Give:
8,35
